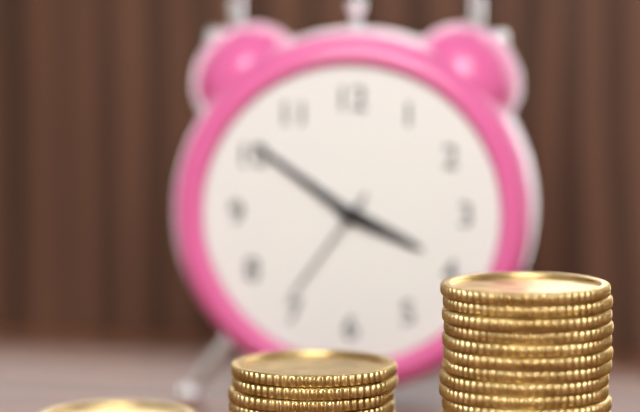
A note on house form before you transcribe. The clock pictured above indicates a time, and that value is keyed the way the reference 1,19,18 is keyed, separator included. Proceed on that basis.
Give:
3,51,36
